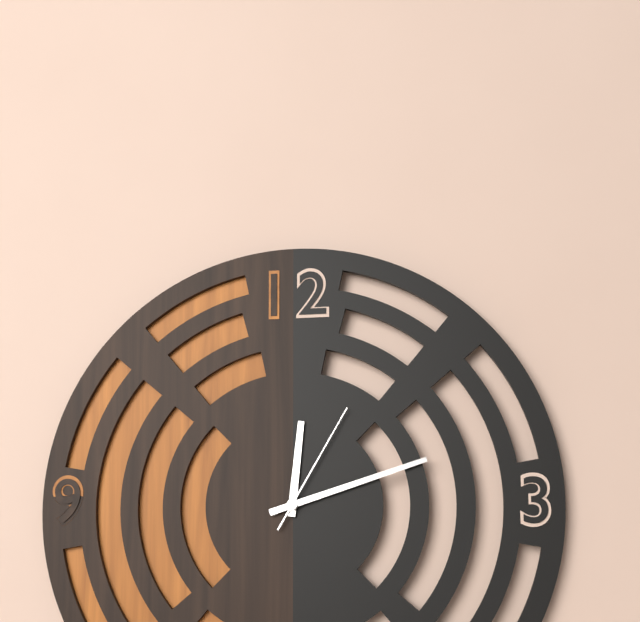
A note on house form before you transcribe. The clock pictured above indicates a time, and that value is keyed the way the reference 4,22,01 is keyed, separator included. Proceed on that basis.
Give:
12,12,05
